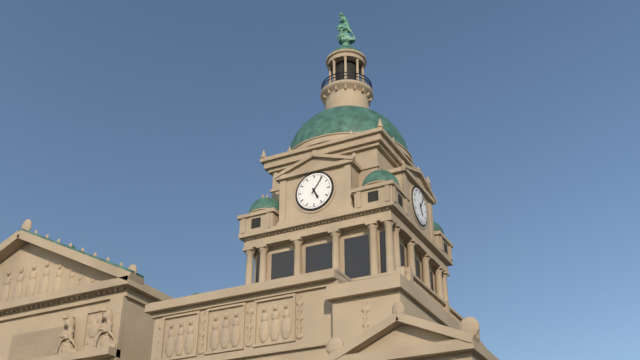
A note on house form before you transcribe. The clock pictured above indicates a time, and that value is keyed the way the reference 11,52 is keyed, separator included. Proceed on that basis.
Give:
5,06
